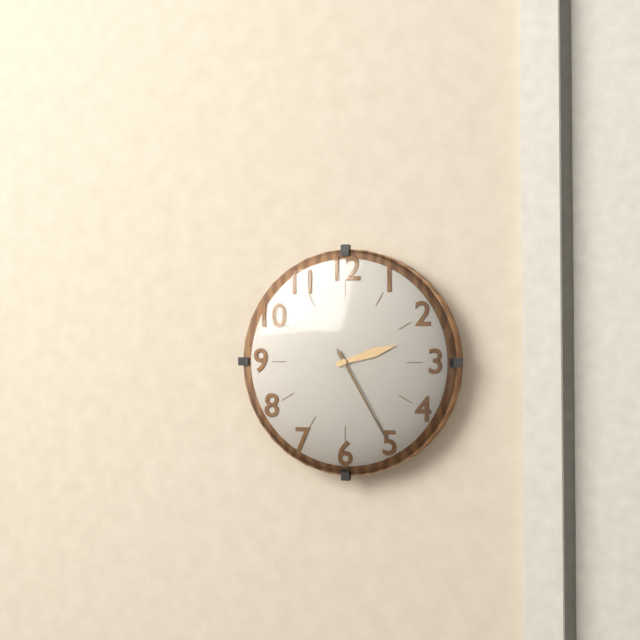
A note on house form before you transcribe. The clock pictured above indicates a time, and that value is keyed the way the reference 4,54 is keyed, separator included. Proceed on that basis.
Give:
2,25
